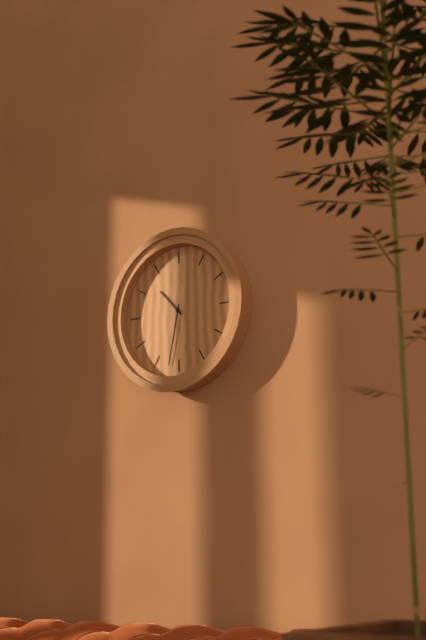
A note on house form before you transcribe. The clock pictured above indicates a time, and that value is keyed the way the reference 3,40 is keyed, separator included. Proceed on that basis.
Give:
10,32
